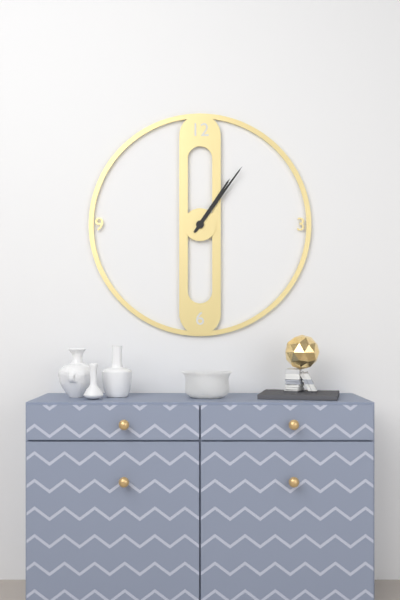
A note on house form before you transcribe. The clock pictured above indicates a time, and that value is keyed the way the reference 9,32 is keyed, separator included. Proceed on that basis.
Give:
1,06
